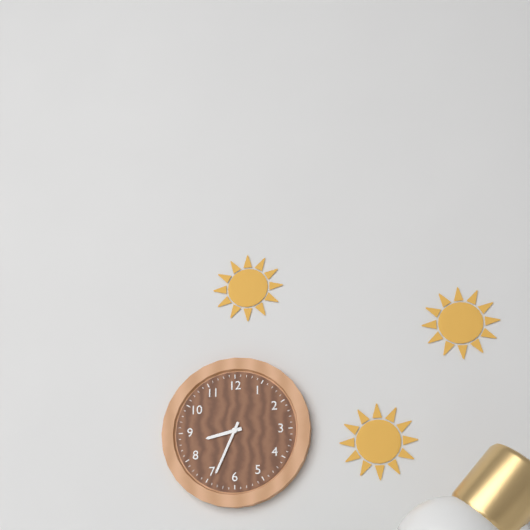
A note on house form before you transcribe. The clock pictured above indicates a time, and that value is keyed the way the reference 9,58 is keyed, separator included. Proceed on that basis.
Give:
8,34
